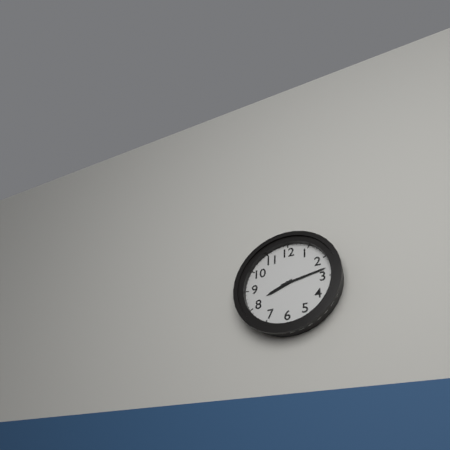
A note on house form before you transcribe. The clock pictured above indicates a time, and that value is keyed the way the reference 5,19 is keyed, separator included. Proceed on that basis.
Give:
8,13
